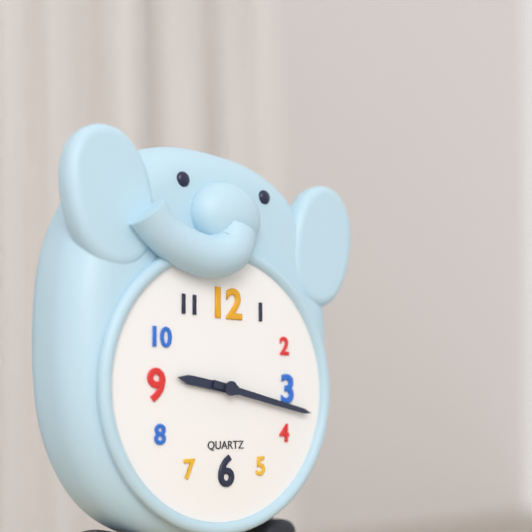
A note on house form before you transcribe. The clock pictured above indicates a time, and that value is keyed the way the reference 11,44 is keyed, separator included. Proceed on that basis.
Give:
9,17
